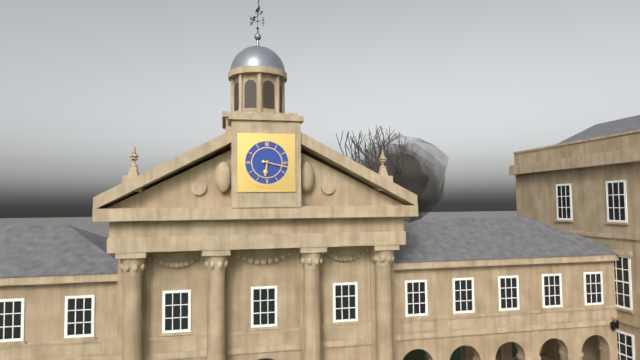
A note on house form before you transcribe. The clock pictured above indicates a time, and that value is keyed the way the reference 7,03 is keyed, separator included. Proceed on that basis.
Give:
6,17
